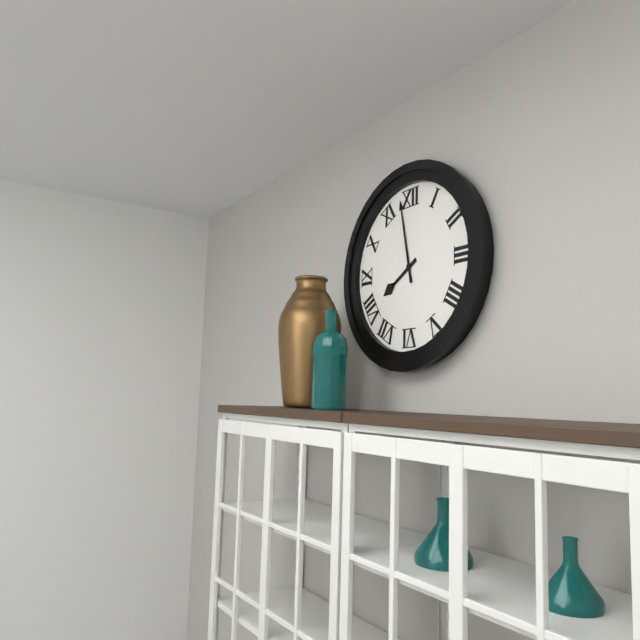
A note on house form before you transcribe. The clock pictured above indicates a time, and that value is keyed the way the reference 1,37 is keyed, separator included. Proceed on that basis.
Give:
7,58
